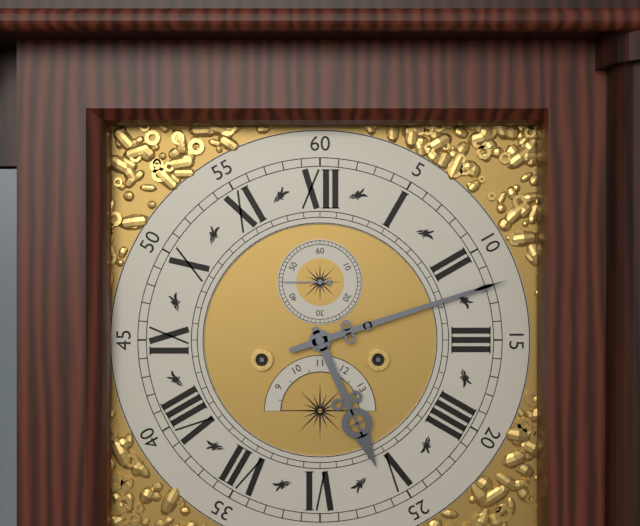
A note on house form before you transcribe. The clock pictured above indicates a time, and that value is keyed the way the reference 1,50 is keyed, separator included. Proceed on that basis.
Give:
5,12
